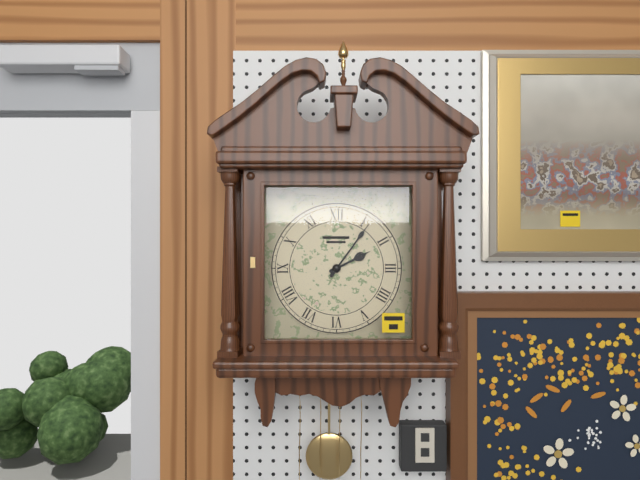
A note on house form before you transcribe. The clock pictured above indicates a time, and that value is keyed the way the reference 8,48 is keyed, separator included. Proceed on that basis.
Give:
2,06
